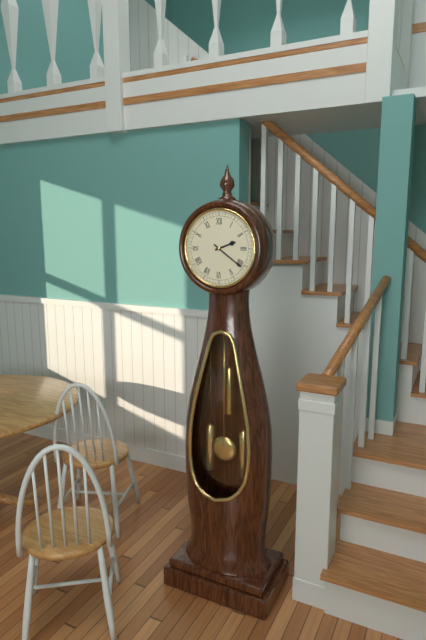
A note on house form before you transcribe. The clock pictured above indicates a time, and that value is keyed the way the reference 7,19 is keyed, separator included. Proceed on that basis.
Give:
2,21
